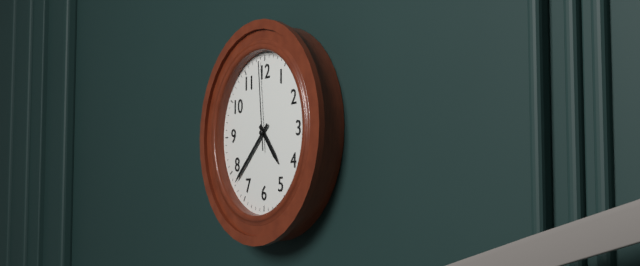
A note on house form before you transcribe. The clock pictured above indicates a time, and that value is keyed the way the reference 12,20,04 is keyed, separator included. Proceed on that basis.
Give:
4,38,59
